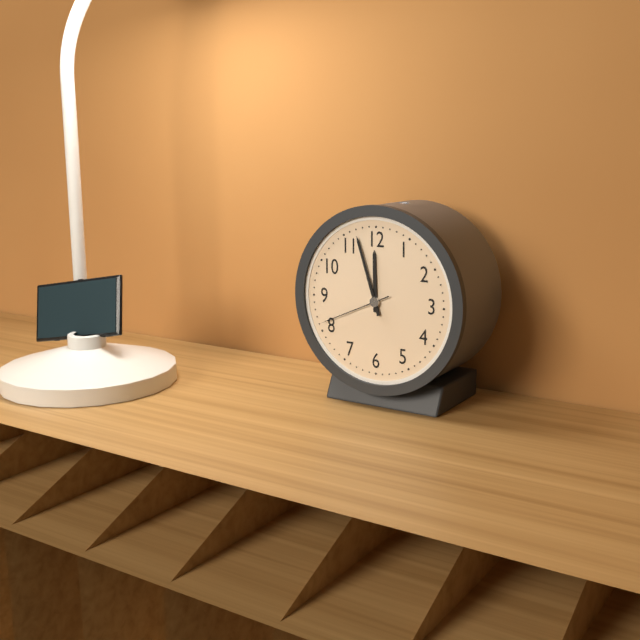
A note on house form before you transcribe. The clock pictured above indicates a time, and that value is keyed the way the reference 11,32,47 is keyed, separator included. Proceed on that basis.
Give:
11,57,41
